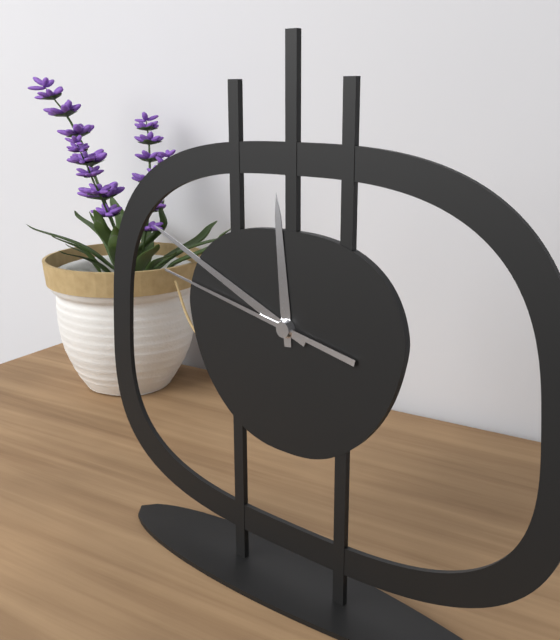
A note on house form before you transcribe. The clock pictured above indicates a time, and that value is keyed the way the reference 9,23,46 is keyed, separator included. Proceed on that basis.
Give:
11,49,47
